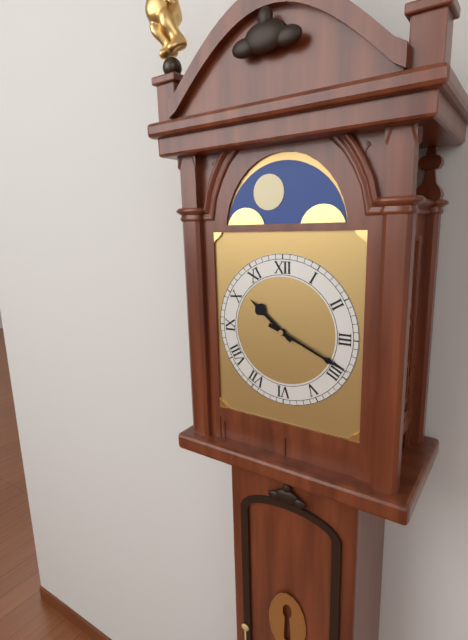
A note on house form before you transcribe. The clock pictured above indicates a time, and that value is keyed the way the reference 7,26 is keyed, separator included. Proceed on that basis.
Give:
10,19
